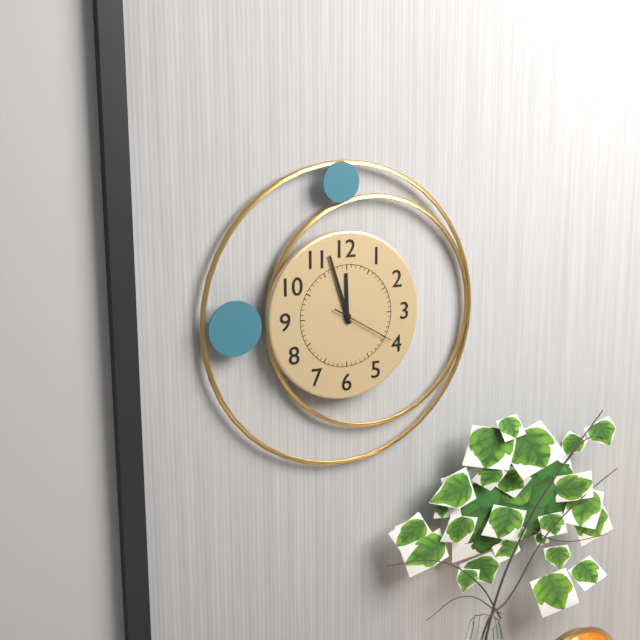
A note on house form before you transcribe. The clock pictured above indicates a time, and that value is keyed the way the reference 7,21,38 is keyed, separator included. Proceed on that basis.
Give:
11,57,20
